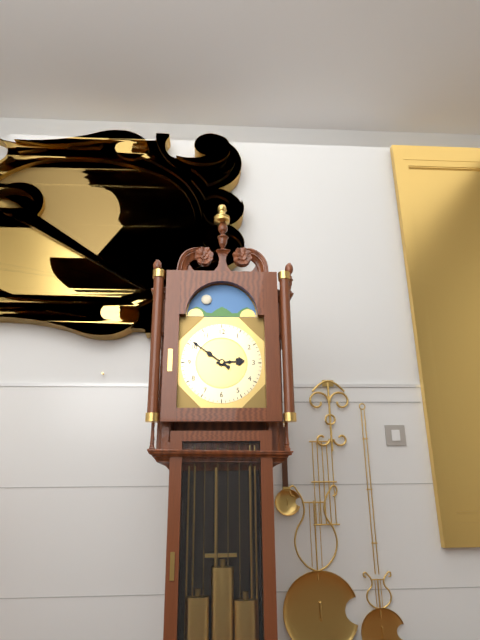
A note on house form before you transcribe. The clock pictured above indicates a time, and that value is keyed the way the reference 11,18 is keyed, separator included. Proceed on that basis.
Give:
2,51
